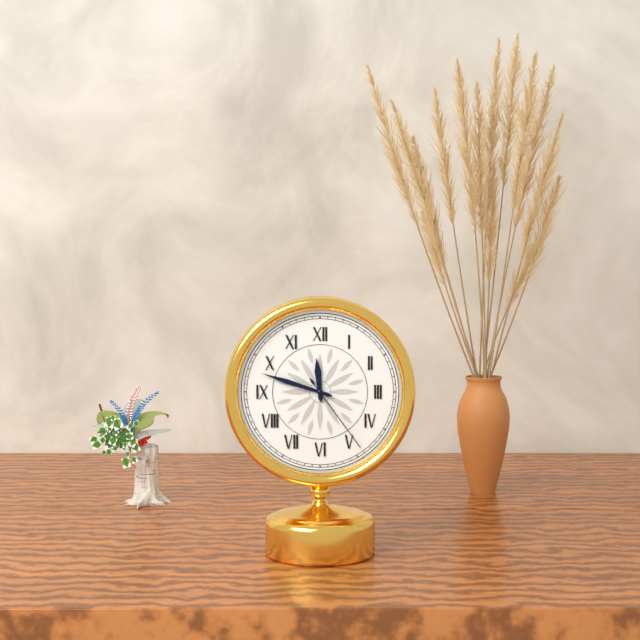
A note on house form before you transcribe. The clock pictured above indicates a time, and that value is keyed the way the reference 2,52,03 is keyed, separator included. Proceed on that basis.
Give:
11,48,24
